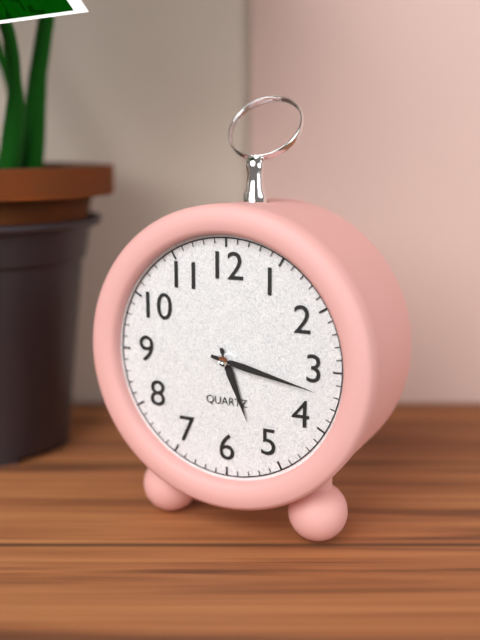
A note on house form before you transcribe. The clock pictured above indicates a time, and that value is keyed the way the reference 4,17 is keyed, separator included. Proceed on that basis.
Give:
5,17
